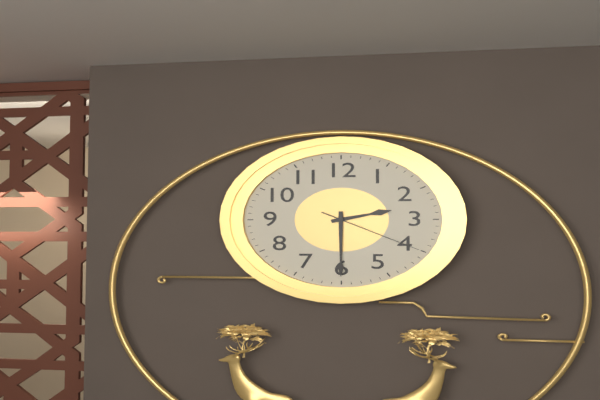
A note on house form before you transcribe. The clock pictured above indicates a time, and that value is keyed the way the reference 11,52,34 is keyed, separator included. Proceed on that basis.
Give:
2,30,20
